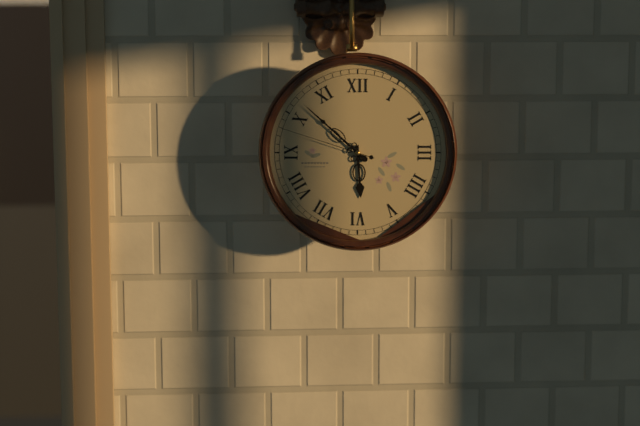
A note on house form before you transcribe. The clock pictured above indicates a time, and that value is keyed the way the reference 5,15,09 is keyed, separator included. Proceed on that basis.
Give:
5,52,48
